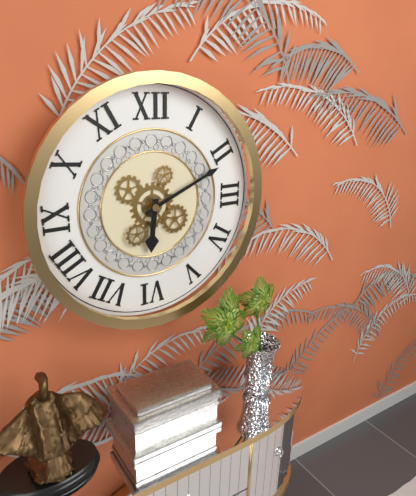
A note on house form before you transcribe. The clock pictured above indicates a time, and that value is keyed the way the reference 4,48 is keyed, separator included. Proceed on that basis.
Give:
6,11
